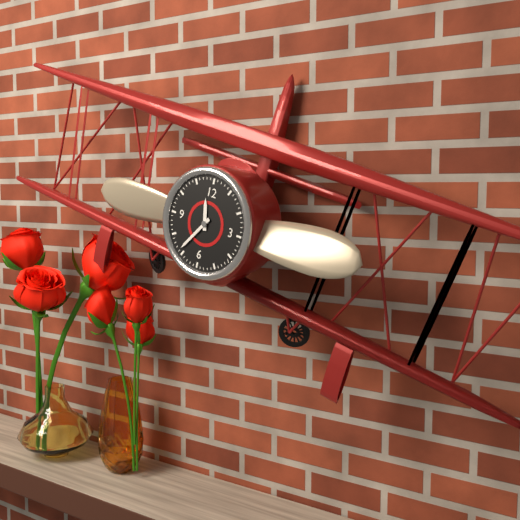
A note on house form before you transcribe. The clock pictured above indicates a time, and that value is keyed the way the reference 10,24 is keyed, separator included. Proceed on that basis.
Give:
11,36
